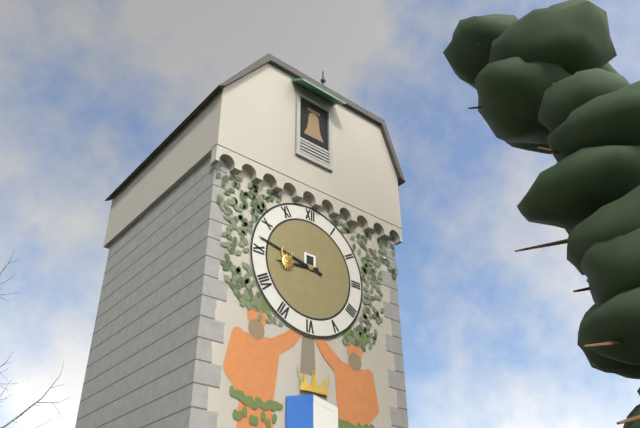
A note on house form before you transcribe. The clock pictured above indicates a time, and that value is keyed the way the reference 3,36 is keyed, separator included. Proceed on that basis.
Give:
8,47
